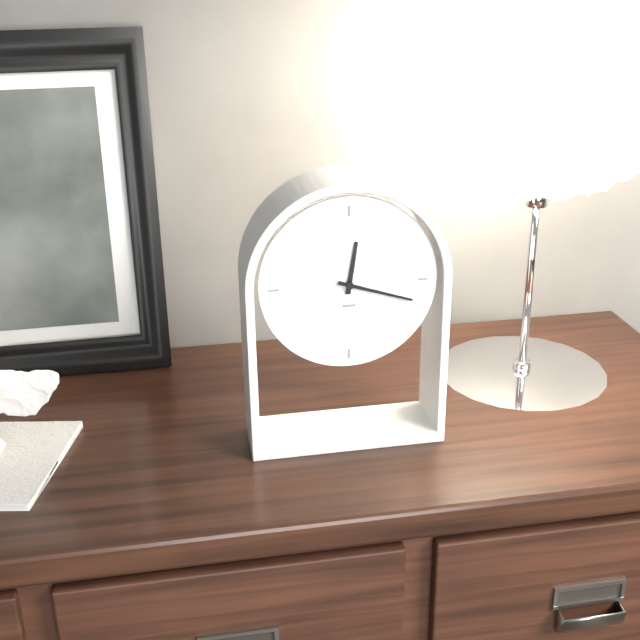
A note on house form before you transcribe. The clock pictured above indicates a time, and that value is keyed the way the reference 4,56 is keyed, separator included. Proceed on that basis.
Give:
12,18
